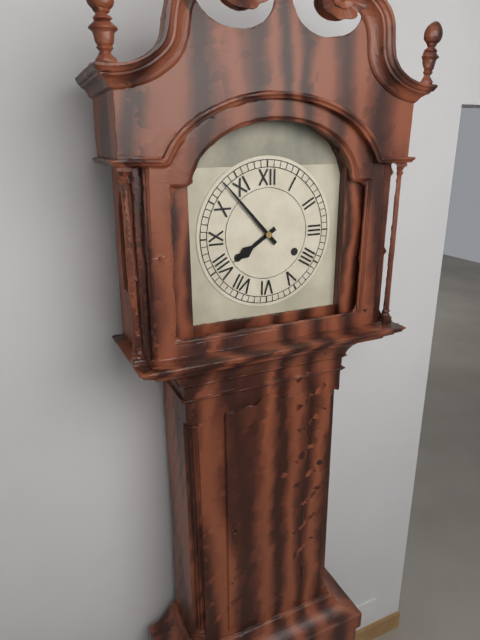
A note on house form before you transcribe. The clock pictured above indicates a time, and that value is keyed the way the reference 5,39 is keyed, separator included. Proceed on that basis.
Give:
7,53
